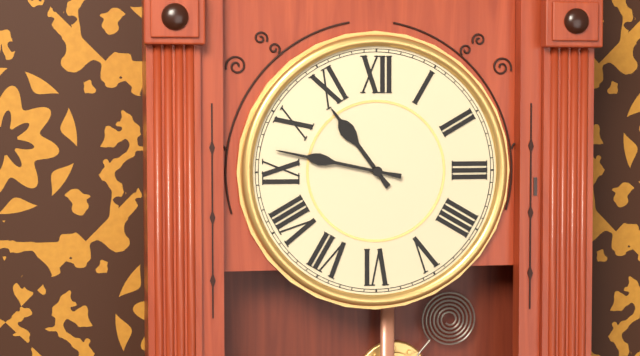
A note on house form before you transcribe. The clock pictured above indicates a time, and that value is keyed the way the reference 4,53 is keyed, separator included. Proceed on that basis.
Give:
10,47
